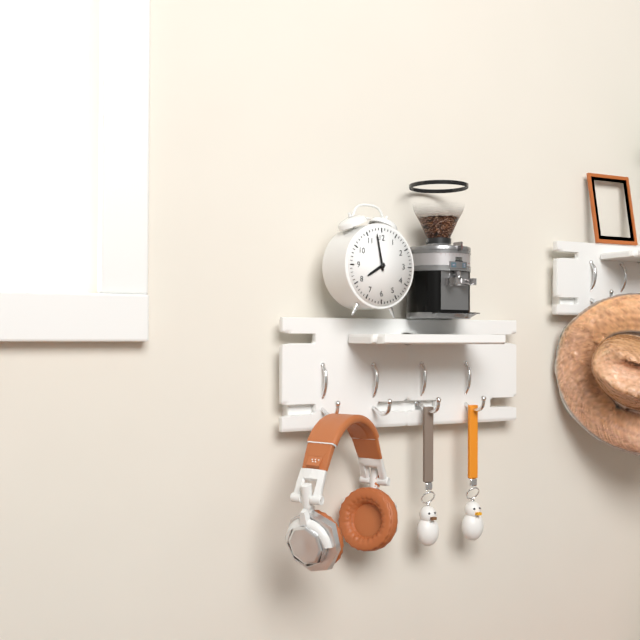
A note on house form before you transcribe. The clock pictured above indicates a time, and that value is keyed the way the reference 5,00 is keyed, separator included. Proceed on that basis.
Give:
7,58
